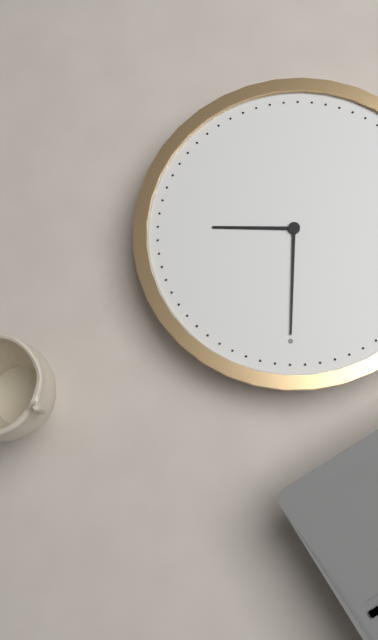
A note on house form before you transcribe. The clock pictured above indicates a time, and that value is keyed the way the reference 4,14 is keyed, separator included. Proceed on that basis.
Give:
3,00
